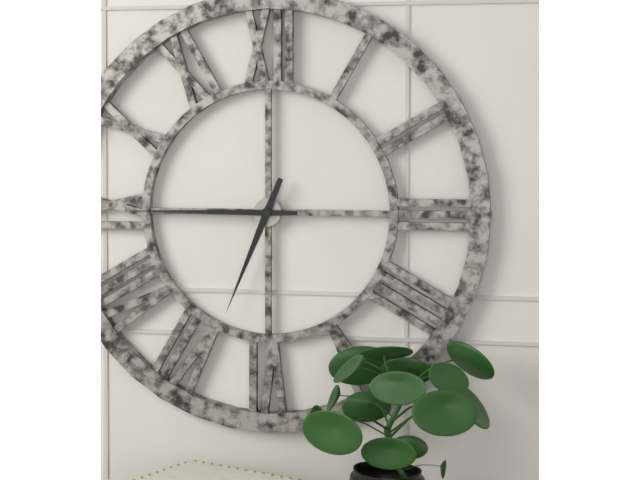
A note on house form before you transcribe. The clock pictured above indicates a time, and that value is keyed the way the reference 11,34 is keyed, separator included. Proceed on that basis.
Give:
6,45
